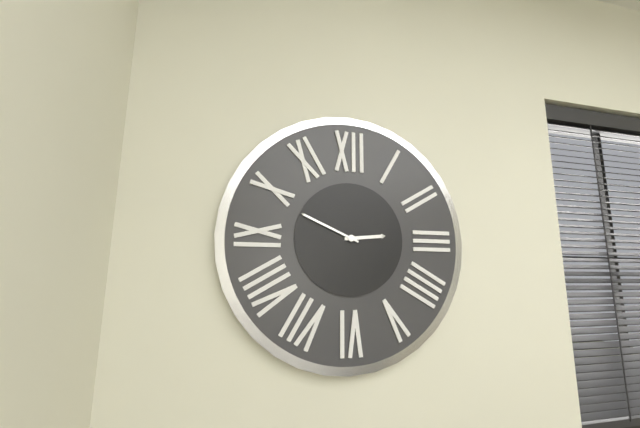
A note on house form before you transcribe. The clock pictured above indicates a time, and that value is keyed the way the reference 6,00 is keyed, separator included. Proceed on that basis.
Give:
2,49
